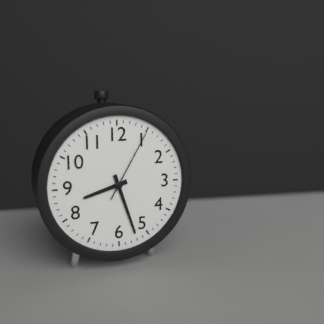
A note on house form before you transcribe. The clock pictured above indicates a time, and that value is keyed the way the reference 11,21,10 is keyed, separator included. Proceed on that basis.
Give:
8,27,05
